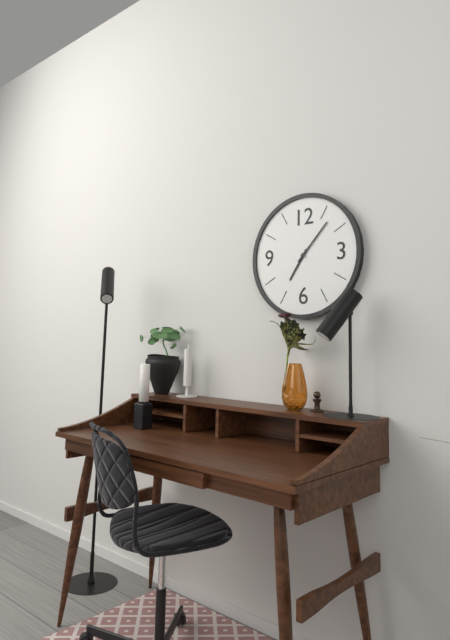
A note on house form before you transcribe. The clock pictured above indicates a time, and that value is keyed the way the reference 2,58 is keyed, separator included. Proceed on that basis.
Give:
7,07
